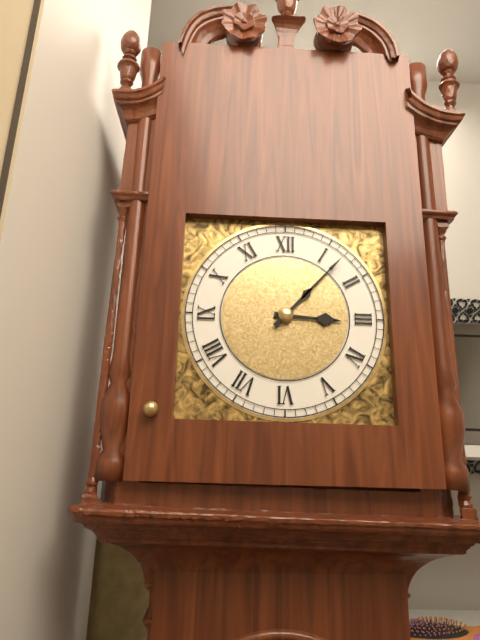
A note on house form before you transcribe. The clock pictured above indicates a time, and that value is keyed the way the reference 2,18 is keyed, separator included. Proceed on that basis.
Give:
3,07
